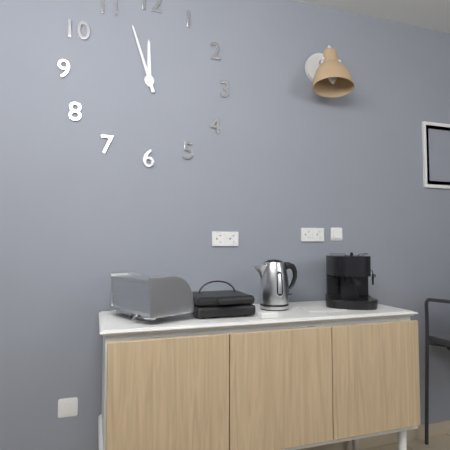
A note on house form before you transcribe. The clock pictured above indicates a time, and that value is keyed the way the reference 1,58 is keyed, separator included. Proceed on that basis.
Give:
11,57
